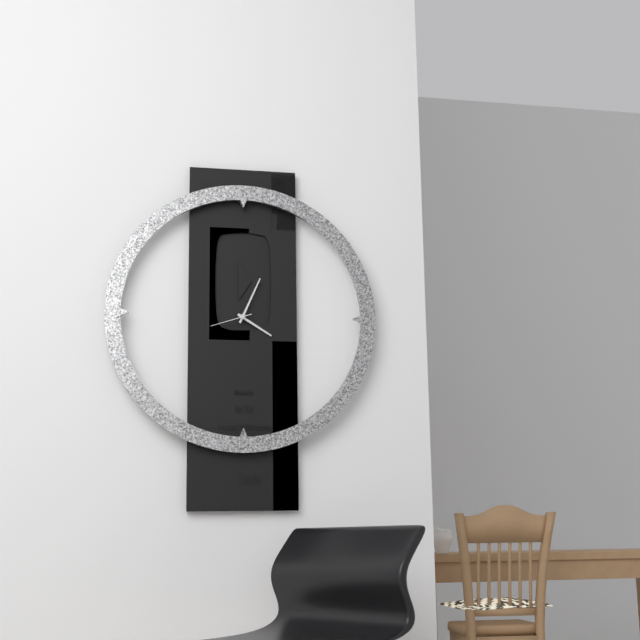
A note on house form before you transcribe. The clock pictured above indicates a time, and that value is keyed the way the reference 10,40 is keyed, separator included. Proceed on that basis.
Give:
4,04
